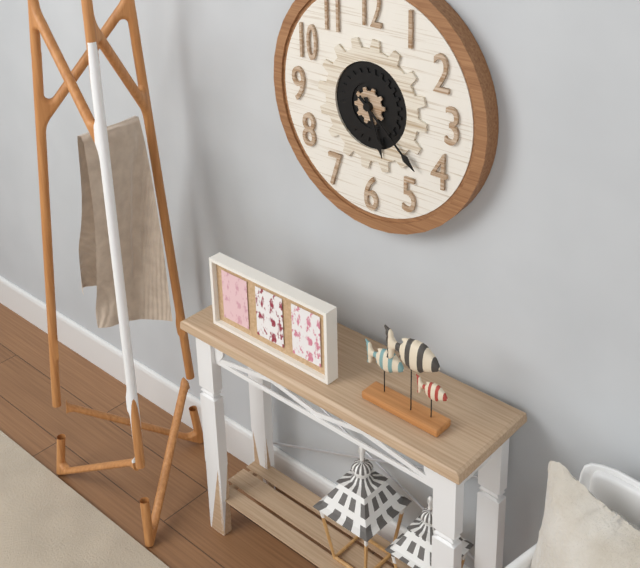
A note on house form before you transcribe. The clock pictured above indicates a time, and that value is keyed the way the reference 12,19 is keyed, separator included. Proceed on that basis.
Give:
5,22
